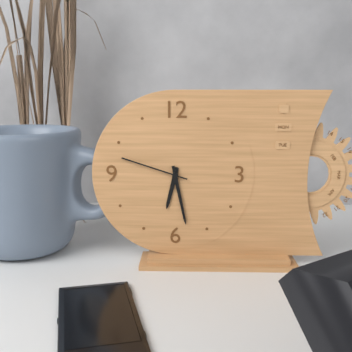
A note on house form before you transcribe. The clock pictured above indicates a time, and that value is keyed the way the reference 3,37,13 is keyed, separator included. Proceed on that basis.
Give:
6,28,48
